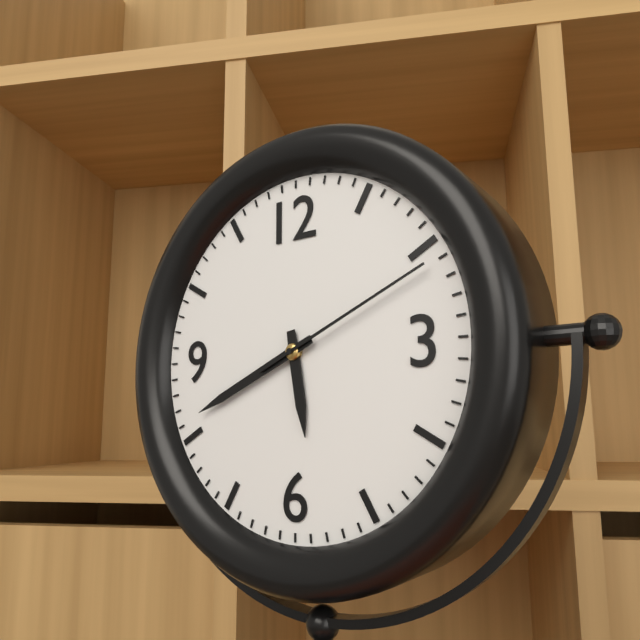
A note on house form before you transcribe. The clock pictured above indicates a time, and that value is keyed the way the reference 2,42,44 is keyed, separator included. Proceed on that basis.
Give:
5,41,11
